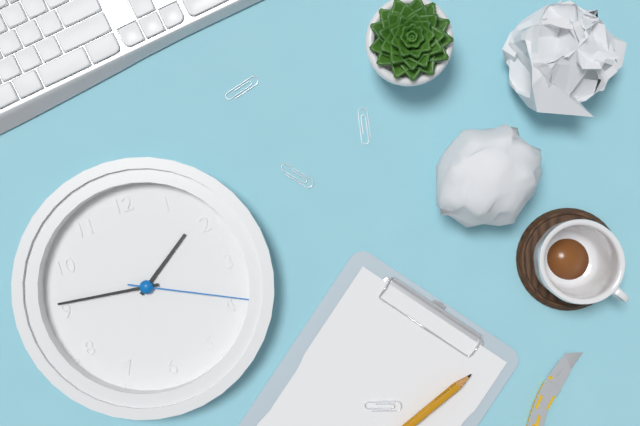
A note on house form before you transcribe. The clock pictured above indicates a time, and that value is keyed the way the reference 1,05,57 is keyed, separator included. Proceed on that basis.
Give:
1,46,19
